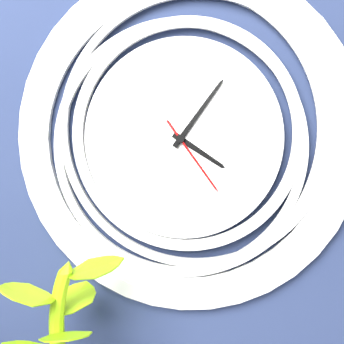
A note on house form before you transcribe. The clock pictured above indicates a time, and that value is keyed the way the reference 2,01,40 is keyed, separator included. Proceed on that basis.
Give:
4,06,24
